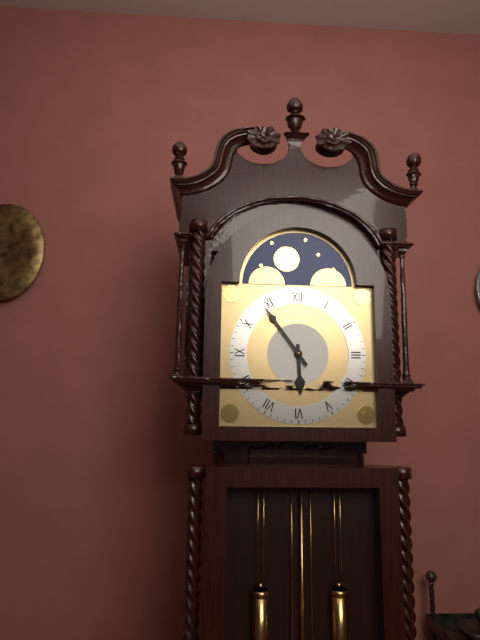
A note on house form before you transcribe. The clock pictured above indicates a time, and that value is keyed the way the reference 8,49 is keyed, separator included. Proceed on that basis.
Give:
5,54
